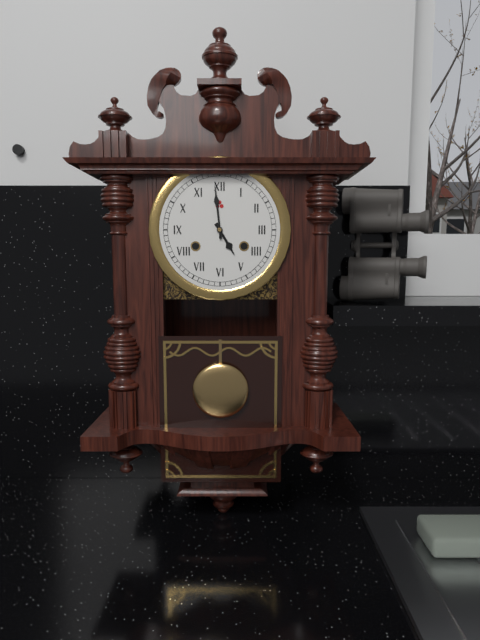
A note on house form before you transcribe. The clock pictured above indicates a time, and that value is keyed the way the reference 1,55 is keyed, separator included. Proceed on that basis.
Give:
4,59
